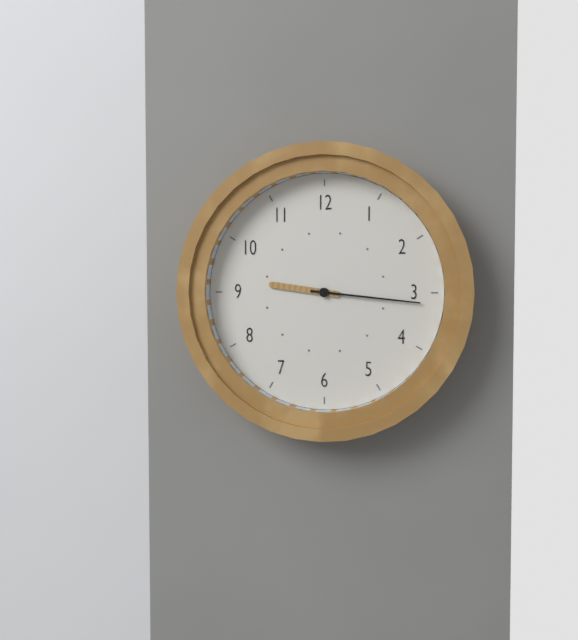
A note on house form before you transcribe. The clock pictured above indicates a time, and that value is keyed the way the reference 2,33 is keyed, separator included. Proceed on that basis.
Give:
9,16
